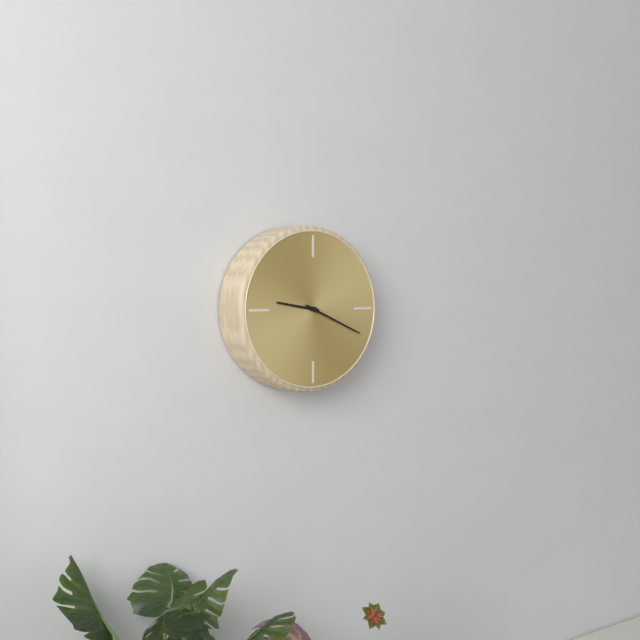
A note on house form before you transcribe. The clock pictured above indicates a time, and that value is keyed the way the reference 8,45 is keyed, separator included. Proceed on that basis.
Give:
9,19
